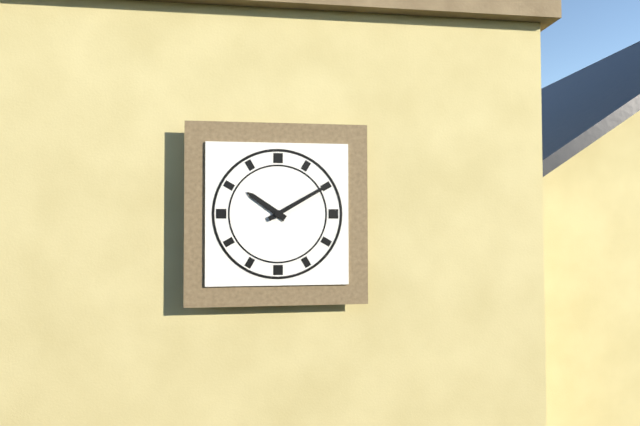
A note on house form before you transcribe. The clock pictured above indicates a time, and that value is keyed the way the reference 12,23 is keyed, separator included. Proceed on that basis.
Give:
10,10
